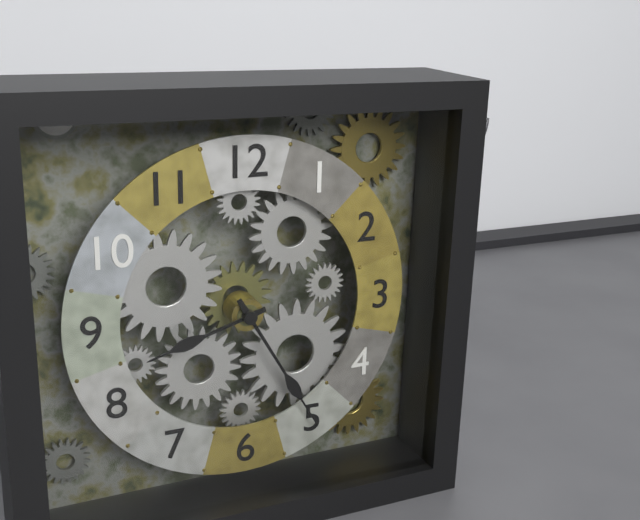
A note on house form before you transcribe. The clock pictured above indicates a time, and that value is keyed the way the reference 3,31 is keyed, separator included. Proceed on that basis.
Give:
8,25
